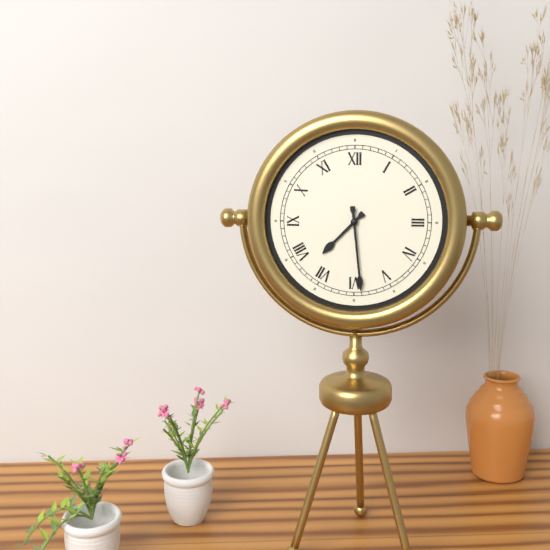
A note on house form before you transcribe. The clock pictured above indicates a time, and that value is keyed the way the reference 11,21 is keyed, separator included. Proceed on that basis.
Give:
7,29
